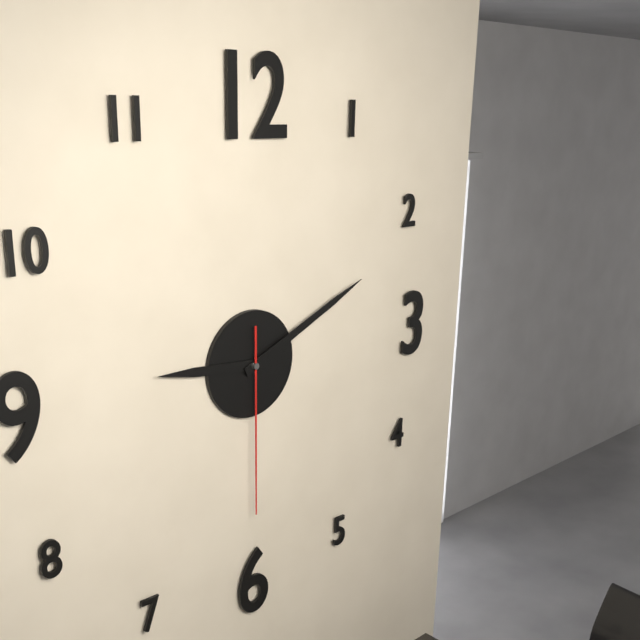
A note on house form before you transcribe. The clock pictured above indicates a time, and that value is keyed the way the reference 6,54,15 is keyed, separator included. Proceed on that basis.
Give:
9,11,30
